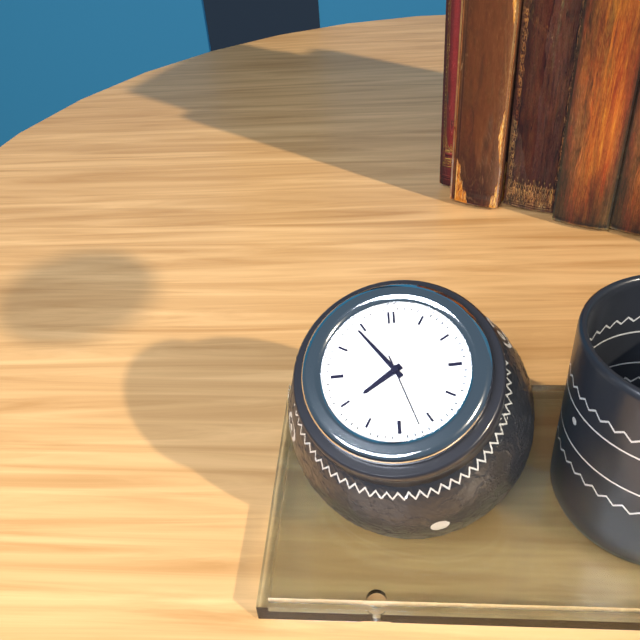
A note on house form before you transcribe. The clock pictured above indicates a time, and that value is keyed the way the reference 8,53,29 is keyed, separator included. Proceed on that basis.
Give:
7,54,27
